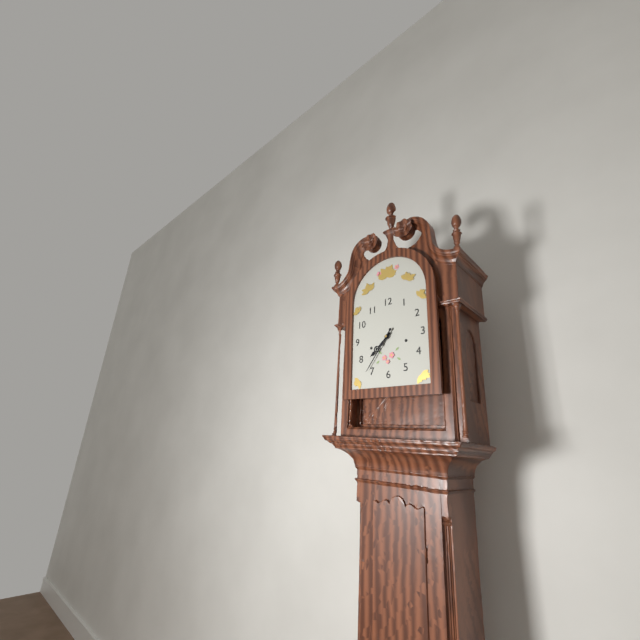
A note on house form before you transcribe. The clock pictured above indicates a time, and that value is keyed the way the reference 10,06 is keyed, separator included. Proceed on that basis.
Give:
7,36
